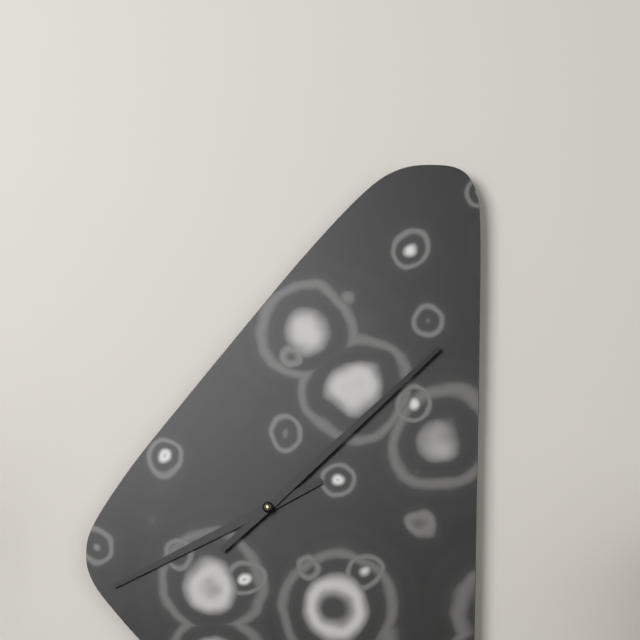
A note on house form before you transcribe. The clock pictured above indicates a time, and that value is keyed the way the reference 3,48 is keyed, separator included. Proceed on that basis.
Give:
8,08
